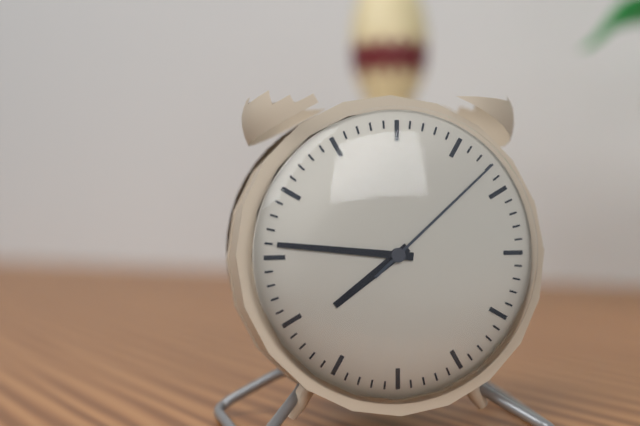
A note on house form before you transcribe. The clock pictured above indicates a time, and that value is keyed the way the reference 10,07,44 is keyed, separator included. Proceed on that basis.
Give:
7,46,08
